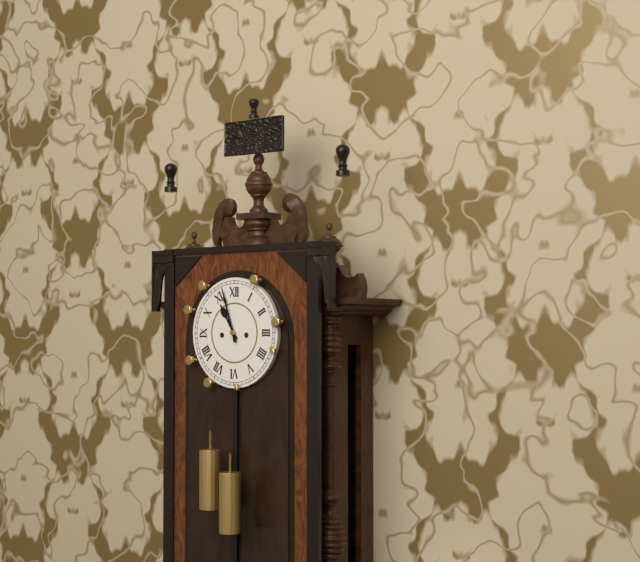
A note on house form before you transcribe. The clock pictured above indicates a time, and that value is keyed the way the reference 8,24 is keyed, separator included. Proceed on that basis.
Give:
10,57
